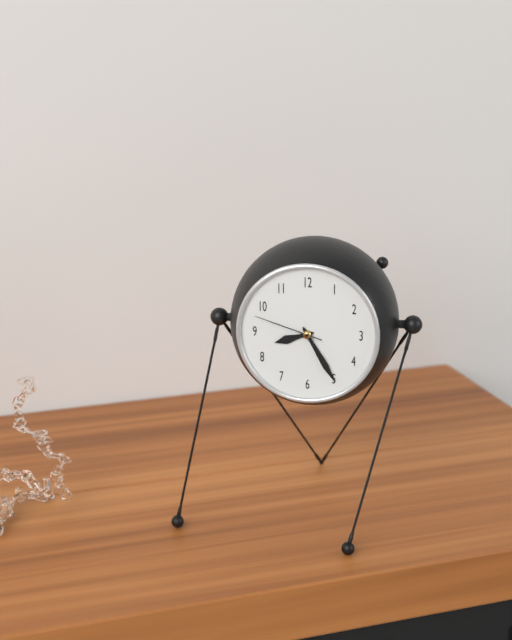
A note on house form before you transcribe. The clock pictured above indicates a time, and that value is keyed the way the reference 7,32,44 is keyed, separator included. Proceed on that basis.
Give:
8,25,48
